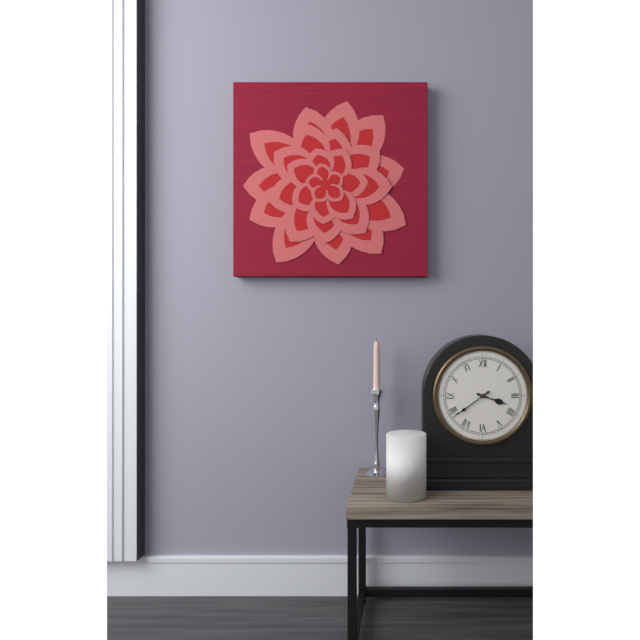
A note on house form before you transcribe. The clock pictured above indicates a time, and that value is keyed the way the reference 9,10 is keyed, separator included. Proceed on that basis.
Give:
3,39
